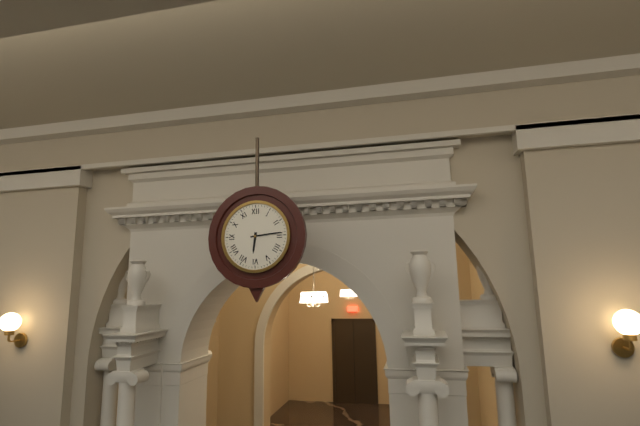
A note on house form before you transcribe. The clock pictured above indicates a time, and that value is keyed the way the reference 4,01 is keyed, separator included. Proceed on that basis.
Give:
6,14
